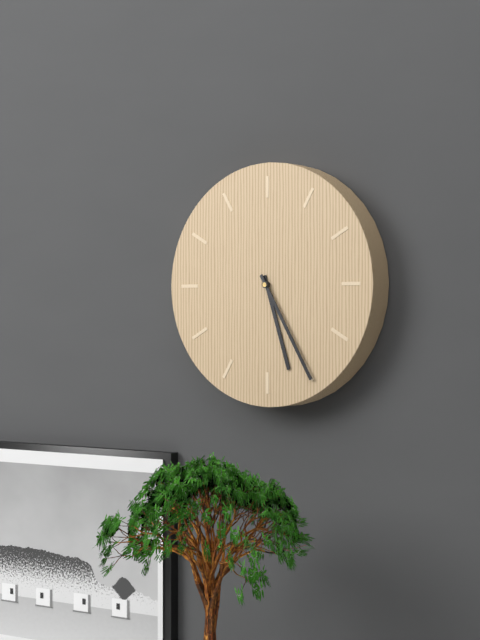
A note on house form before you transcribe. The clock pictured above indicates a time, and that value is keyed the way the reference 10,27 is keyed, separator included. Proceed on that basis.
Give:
5,25
